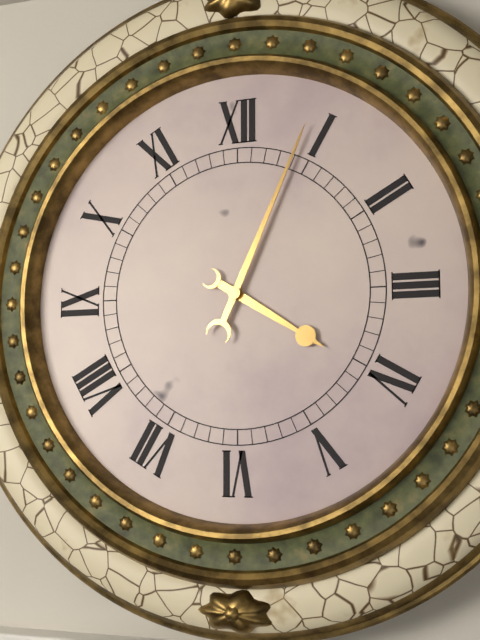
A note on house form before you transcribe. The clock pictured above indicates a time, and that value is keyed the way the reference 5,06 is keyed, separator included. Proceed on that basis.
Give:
4,04
